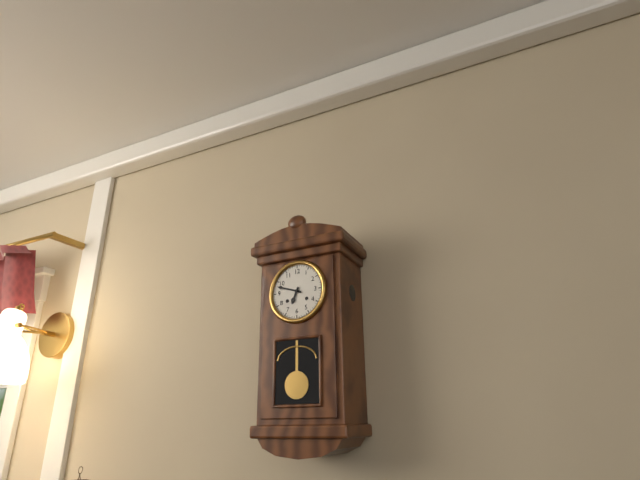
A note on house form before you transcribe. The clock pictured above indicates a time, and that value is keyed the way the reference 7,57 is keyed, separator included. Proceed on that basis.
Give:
6,48
